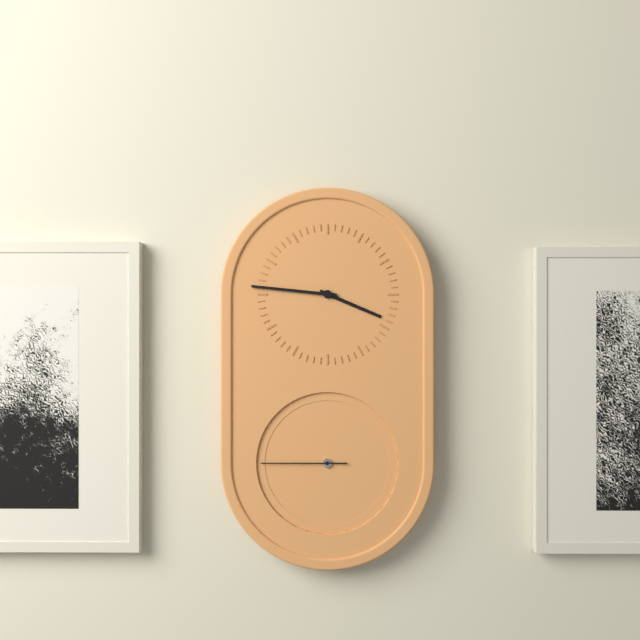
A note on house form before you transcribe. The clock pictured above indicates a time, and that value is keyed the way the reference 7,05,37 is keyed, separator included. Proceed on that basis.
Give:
3,46,45
